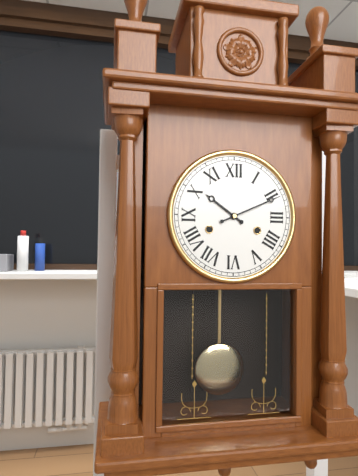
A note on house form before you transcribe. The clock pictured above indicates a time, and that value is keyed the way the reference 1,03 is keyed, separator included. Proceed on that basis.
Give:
10,11
